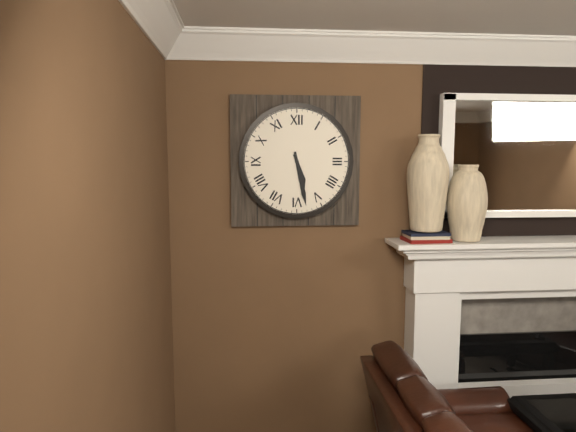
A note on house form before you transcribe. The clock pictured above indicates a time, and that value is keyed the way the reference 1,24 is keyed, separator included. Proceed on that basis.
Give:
5,28
